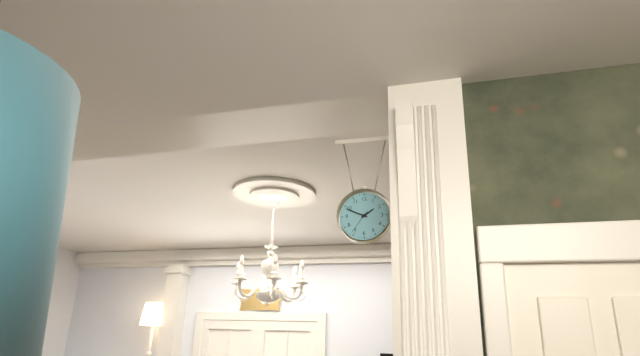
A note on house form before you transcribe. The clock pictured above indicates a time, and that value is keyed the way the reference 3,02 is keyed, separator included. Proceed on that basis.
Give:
1,49
